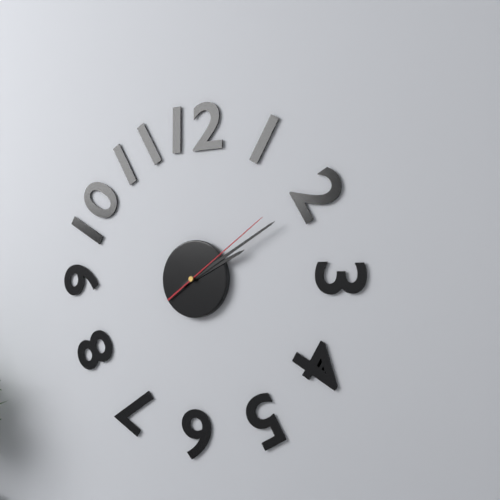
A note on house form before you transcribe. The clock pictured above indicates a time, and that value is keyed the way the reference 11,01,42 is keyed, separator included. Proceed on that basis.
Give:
2,10,09
